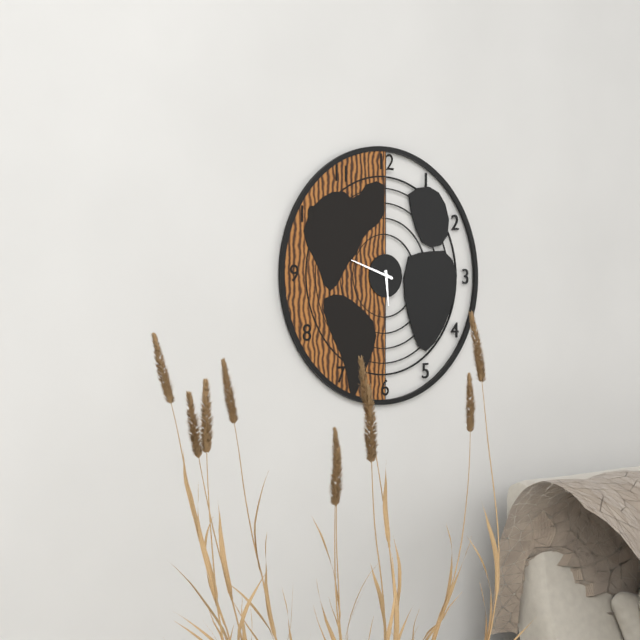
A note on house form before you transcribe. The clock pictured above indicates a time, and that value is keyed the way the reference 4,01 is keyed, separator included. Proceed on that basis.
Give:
5,48
